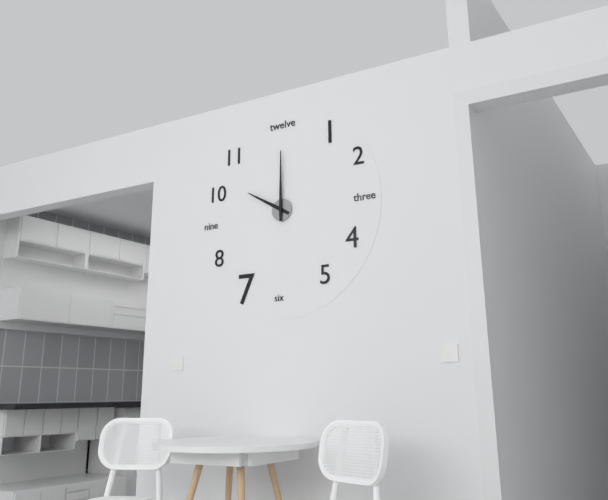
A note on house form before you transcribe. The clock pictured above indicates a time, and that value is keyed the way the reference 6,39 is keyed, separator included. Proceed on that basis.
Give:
10,00
